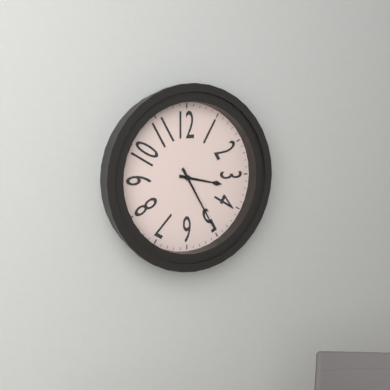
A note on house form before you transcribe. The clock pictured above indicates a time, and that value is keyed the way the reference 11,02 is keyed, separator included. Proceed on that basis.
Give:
3,25
